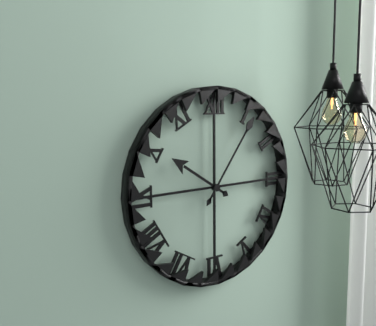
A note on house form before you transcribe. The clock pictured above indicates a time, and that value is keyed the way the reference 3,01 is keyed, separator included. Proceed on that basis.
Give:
10,06
